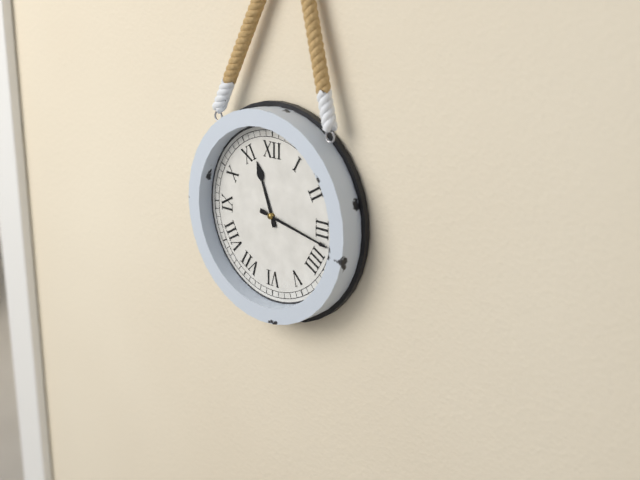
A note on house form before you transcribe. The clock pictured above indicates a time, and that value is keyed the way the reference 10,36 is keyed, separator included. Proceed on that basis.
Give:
11,17
